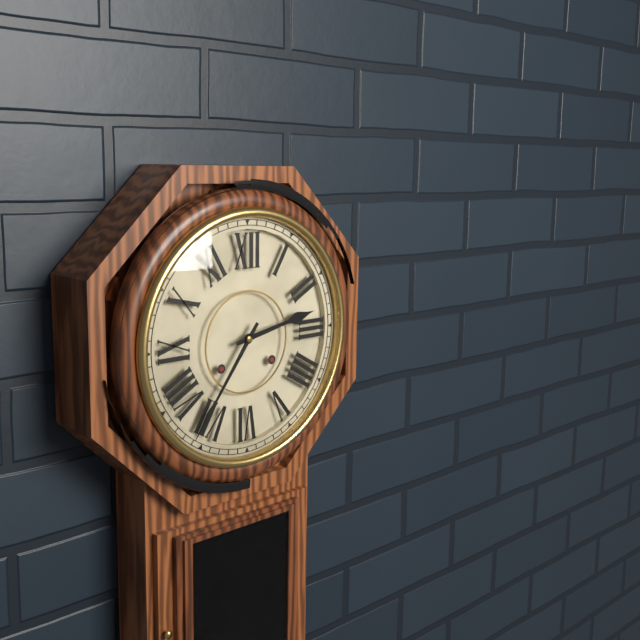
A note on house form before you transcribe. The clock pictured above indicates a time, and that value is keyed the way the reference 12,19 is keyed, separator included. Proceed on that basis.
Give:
2,36
